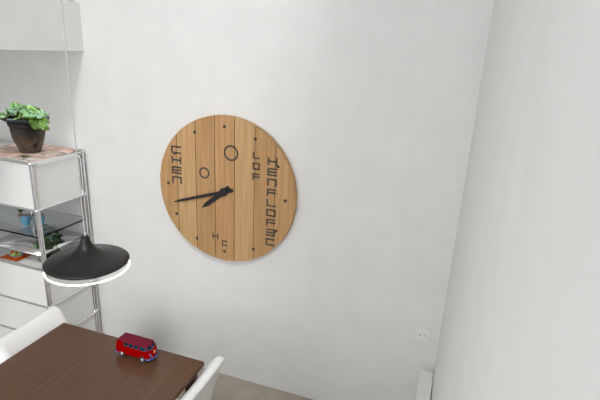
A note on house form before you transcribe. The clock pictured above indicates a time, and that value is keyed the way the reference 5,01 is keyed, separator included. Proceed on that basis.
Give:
7,42
